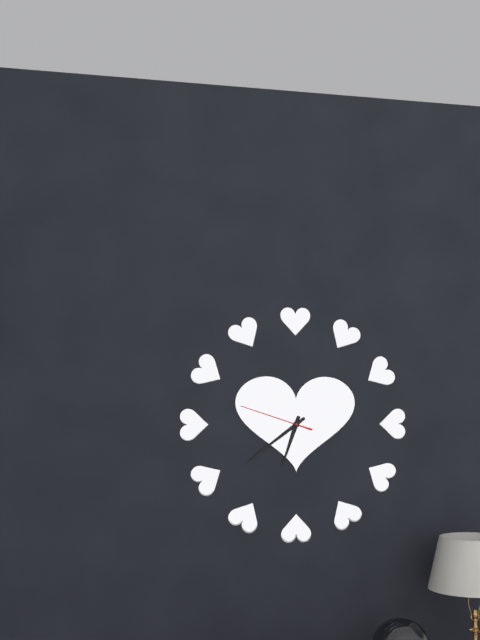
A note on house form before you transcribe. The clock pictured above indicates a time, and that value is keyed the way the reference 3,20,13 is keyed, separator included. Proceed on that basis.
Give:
6,39,48
